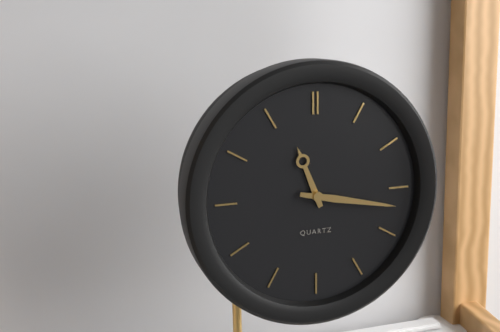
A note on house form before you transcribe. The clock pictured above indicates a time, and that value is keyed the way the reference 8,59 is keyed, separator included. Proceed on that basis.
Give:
11,17
